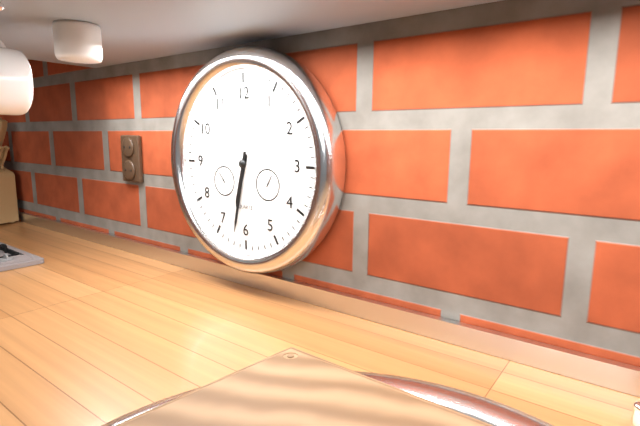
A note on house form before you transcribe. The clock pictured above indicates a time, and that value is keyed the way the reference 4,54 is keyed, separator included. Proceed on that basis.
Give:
6,32
